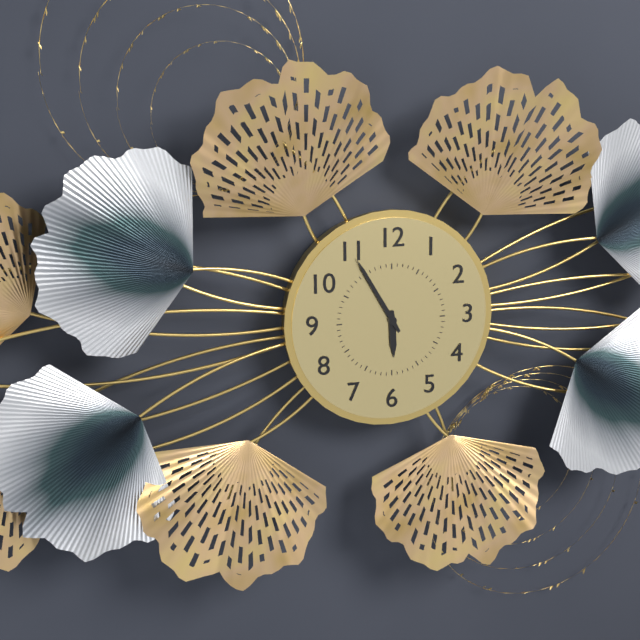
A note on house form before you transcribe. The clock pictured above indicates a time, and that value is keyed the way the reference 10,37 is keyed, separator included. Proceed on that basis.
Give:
5,55
